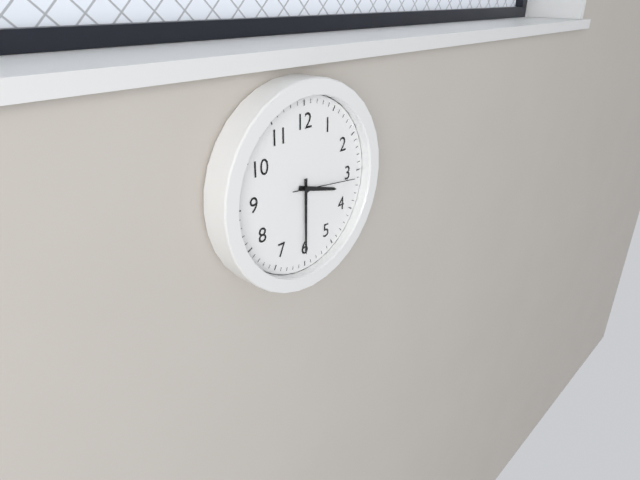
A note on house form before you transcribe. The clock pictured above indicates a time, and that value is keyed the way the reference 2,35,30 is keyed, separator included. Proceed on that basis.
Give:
3,30,16
